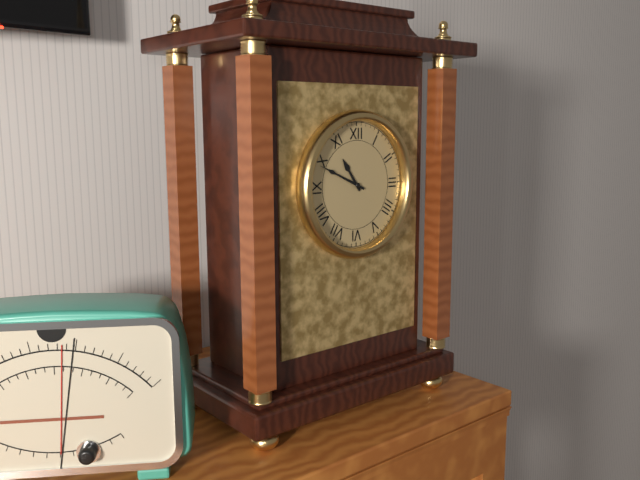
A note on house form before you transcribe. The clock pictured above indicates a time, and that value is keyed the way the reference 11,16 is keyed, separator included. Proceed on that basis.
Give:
10,49
